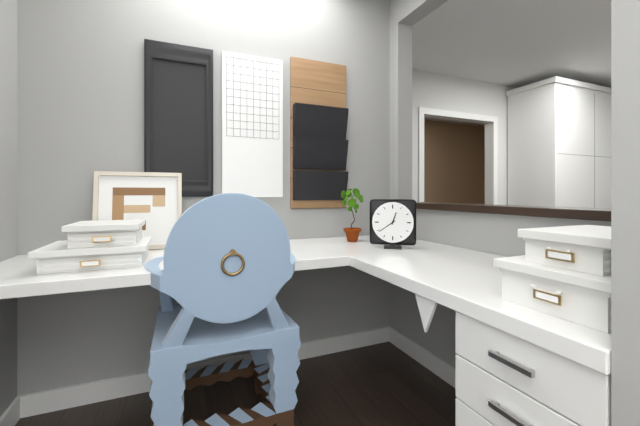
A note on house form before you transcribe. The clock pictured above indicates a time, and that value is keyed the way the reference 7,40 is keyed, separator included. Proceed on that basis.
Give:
12,39
